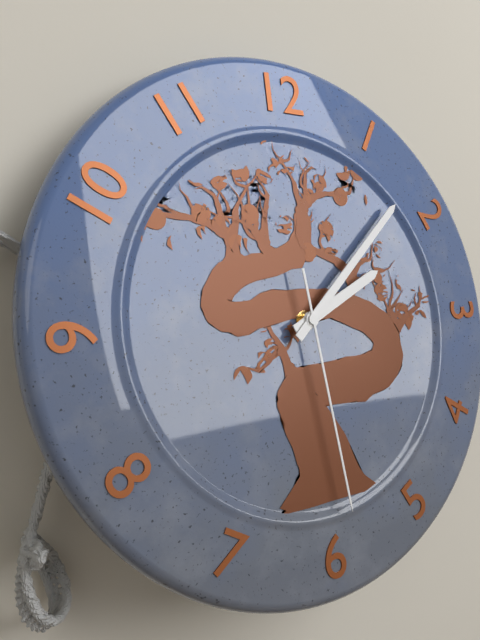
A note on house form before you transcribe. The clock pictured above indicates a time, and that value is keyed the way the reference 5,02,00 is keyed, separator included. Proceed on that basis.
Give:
2,08,29
